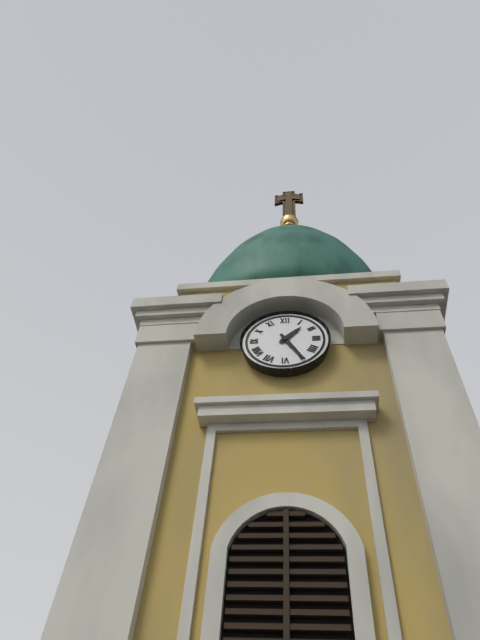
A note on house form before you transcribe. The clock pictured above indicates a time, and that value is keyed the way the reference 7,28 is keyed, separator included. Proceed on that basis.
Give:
1,25
